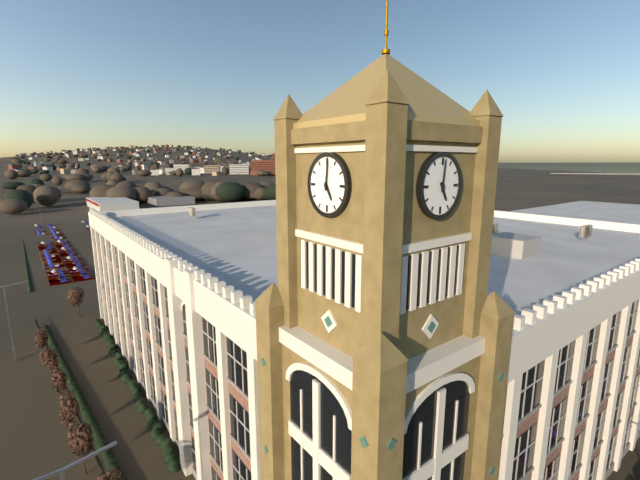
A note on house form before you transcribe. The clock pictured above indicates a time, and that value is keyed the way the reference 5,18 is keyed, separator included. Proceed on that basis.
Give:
5,01
